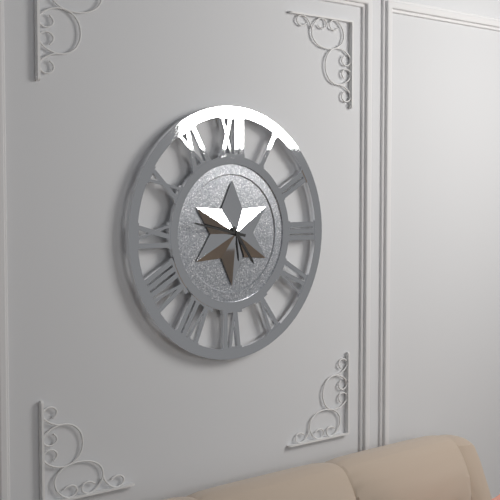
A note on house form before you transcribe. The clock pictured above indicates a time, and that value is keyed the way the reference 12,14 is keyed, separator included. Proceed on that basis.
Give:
4,47
